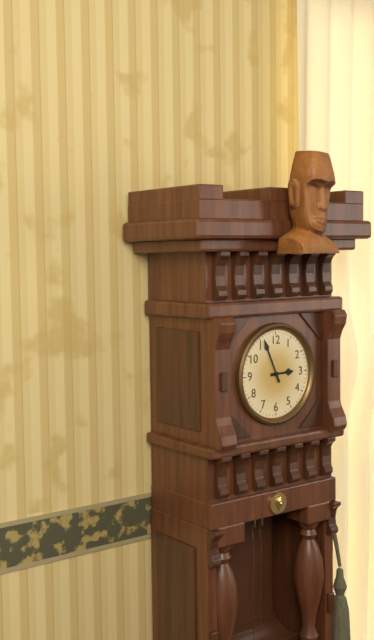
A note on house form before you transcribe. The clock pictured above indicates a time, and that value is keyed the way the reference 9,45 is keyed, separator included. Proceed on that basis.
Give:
2,56
